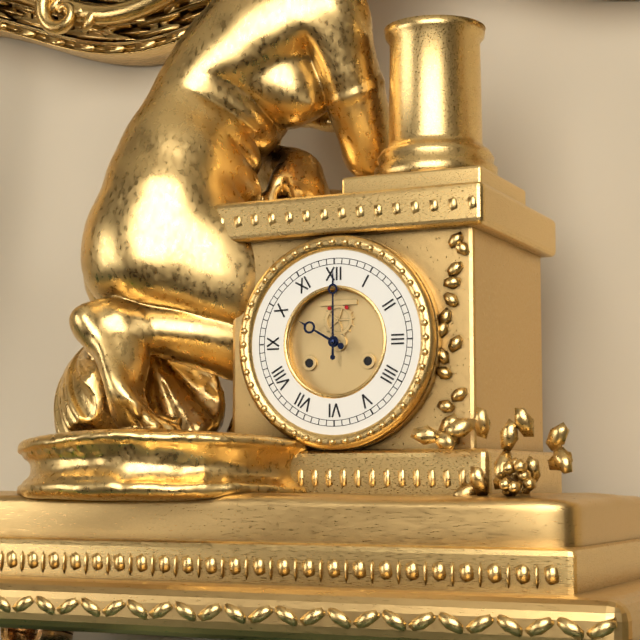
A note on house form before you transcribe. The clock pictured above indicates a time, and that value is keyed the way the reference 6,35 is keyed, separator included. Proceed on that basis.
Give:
10,00
